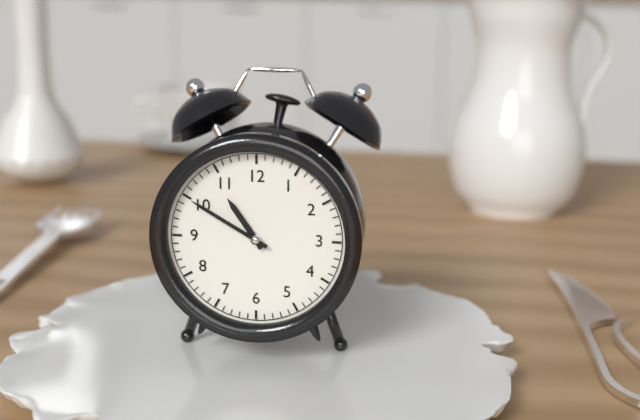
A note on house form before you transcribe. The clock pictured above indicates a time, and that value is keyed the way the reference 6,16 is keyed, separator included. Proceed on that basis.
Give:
10,50
